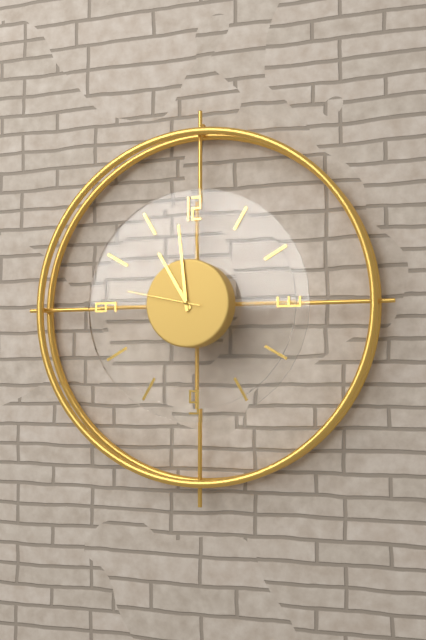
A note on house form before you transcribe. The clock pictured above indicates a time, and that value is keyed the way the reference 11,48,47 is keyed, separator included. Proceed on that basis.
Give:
10,59,47
